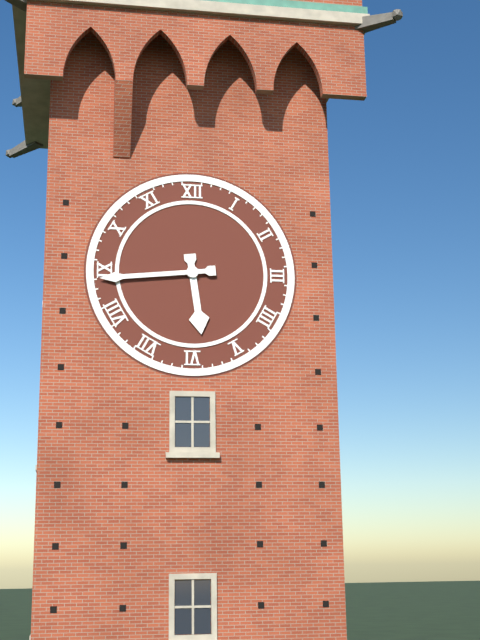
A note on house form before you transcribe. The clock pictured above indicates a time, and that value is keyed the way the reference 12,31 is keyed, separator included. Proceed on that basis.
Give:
5,44
